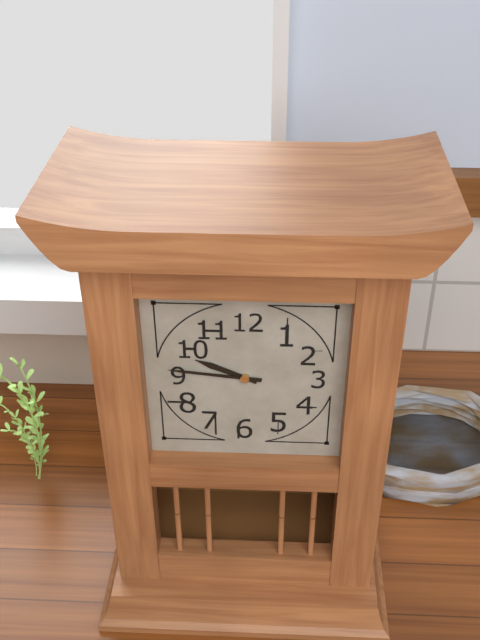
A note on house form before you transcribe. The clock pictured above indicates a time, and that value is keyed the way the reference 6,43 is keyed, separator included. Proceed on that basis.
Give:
9,46
